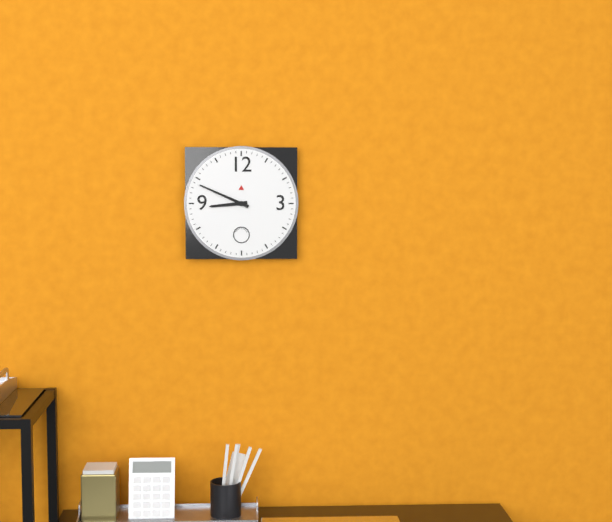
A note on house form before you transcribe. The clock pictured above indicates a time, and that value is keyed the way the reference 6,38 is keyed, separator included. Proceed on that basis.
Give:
8,49
